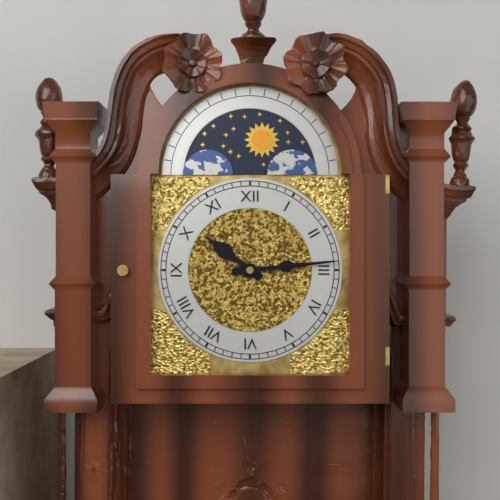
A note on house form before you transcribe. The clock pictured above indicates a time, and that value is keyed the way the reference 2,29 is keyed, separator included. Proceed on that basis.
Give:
10,14
